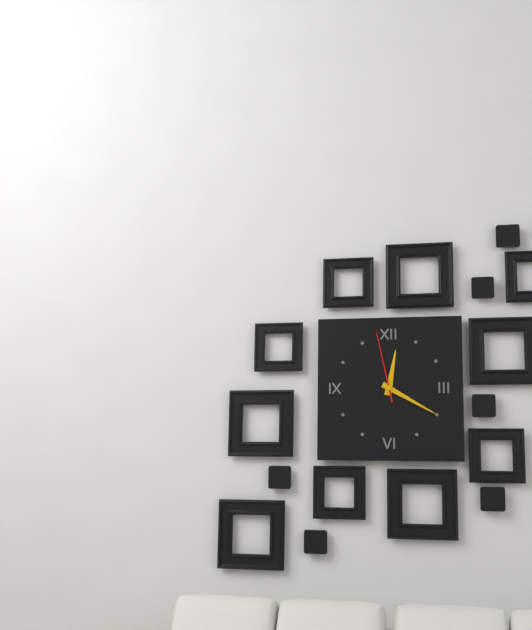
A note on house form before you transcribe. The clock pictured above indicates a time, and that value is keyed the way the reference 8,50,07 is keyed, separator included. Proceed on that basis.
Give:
12,20,58
